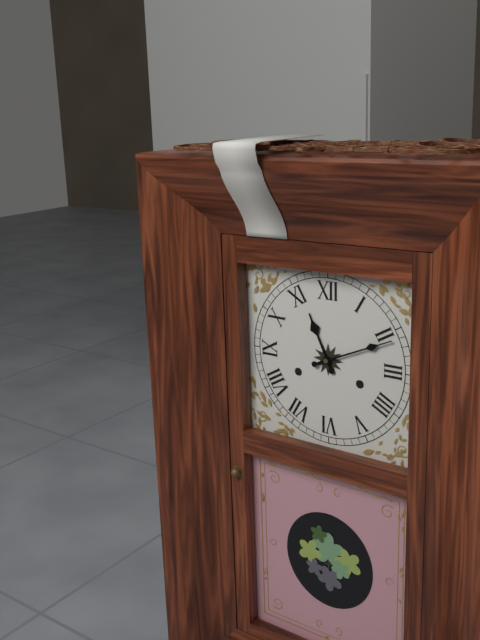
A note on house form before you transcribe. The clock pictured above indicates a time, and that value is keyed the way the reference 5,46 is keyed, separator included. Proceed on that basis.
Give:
11,11
